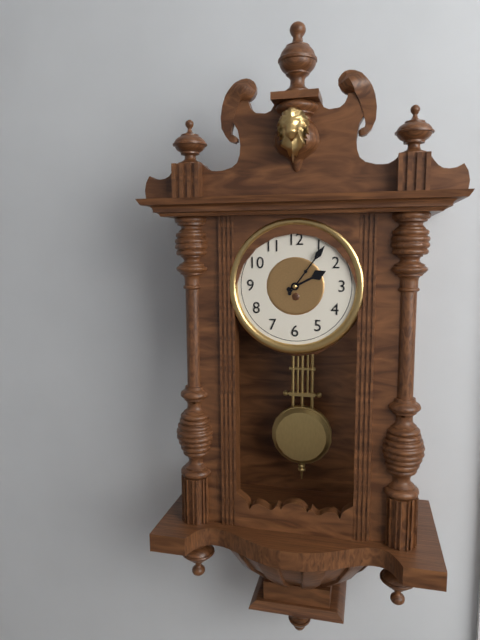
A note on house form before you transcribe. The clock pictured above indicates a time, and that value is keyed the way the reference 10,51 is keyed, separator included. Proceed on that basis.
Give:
2,06
